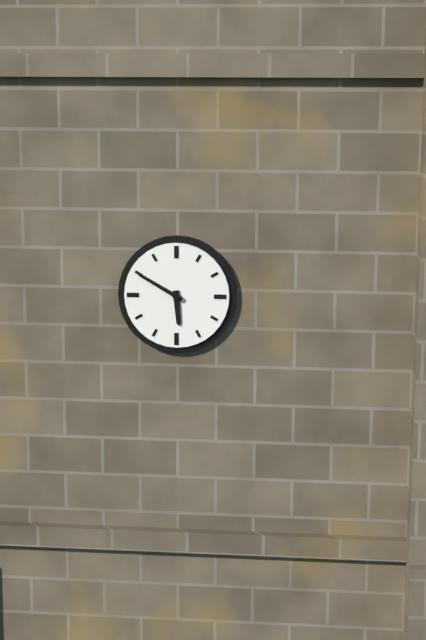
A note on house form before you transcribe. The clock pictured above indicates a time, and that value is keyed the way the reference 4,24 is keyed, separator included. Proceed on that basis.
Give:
5,50
